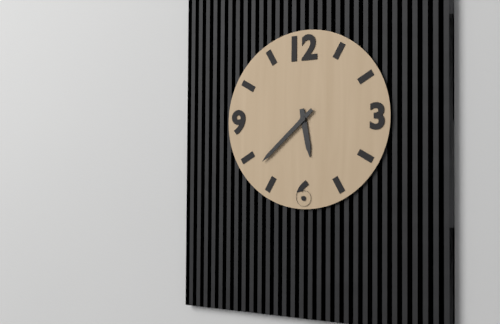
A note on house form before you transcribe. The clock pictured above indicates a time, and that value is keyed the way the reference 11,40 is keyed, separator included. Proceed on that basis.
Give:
5,38
